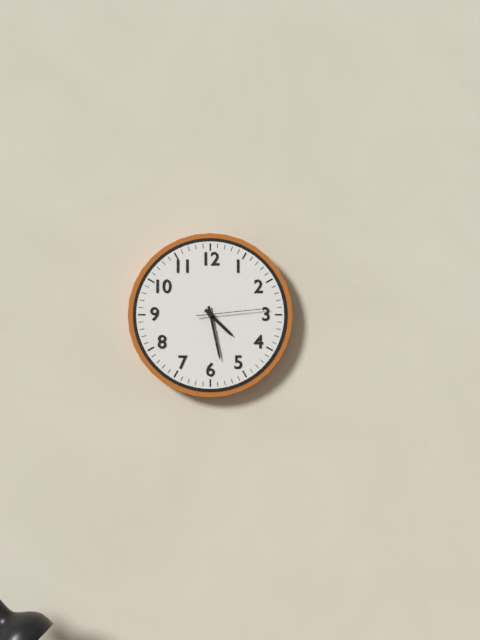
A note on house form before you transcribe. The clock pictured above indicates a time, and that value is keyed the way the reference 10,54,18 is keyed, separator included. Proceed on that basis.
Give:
4,28,14
